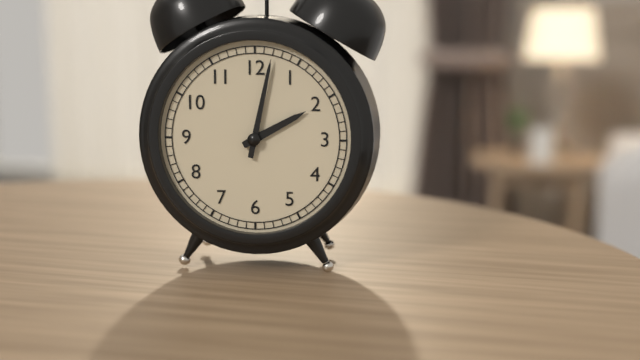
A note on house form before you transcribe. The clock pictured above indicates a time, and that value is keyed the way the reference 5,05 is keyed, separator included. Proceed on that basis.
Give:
2,02
